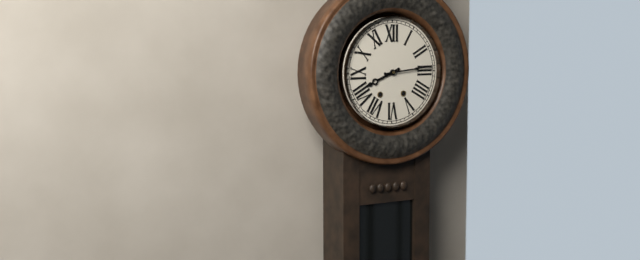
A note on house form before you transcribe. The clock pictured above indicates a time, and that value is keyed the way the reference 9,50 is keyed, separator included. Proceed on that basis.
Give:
8,14
